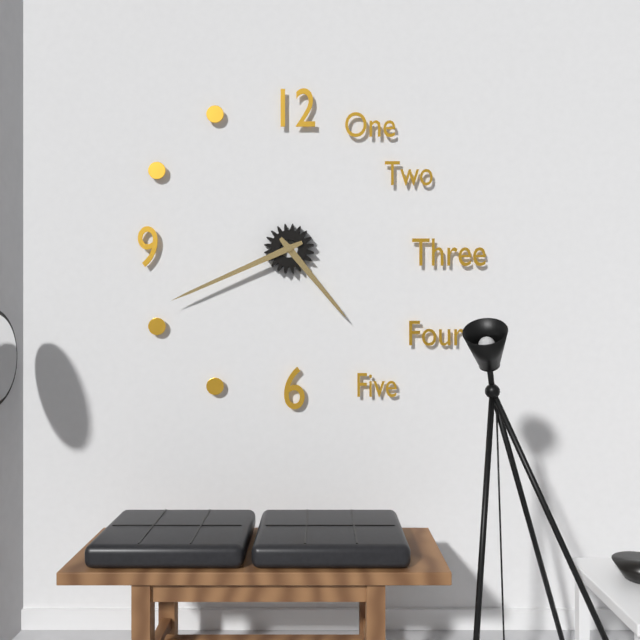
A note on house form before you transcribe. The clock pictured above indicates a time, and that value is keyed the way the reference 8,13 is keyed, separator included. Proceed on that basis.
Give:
4,41
